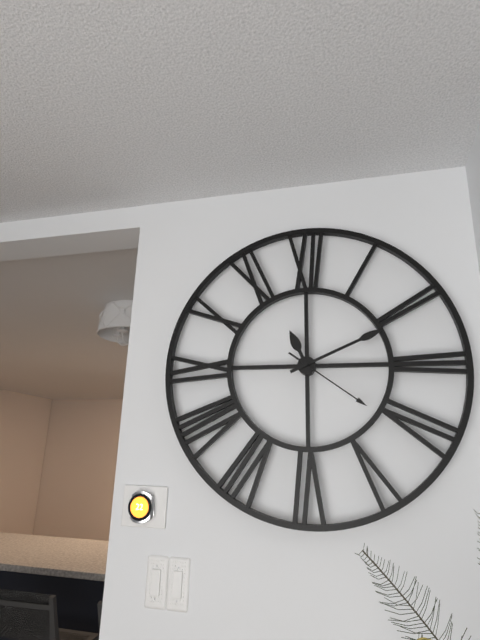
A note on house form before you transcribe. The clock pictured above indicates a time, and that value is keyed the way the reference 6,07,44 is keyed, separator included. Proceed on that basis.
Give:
11,11,21
